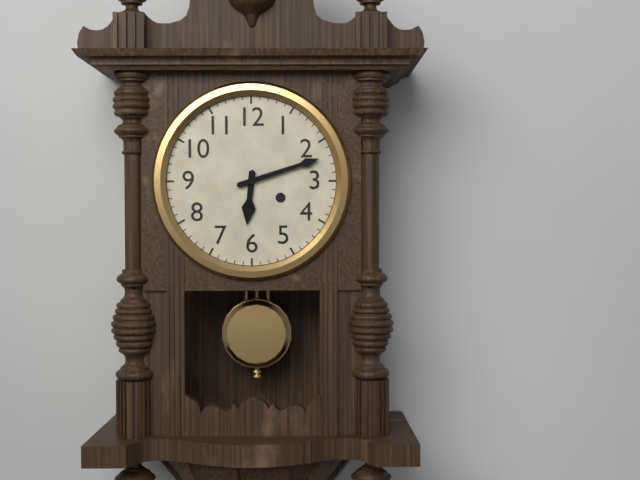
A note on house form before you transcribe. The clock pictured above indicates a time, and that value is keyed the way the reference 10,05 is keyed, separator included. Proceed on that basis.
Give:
6,12
